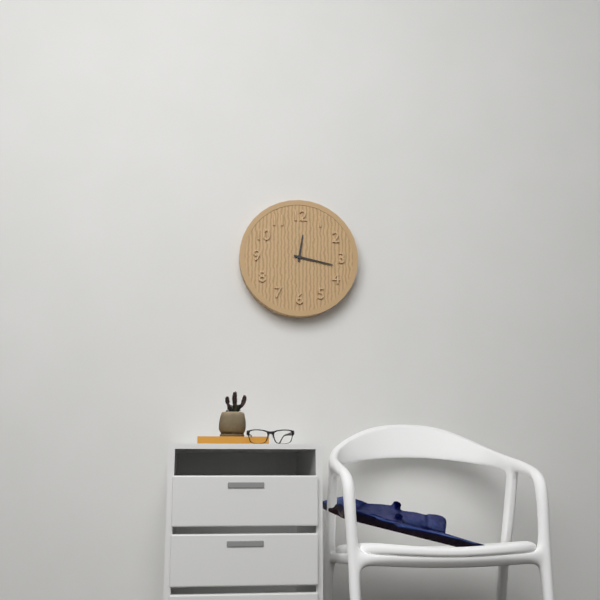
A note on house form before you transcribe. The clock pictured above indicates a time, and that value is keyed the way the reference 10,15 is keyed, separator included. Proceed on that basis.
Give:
12,17
